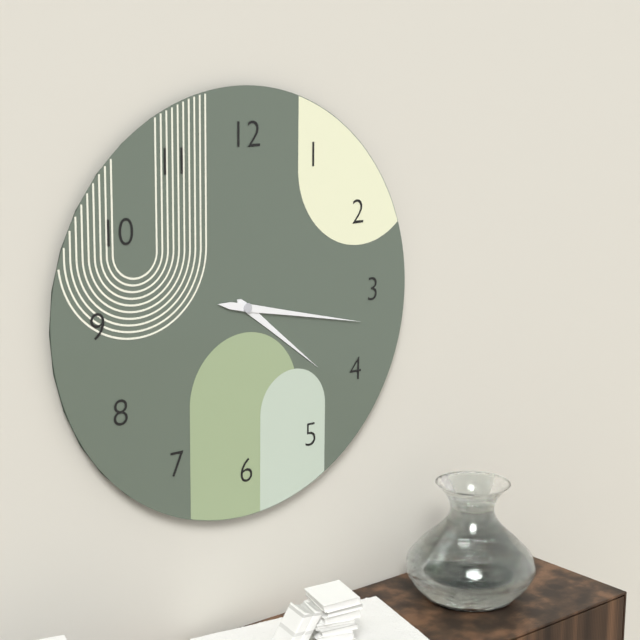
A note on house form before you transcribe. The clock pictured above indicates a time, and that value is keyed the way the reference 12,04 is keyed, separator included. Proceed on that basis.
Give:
4,17
